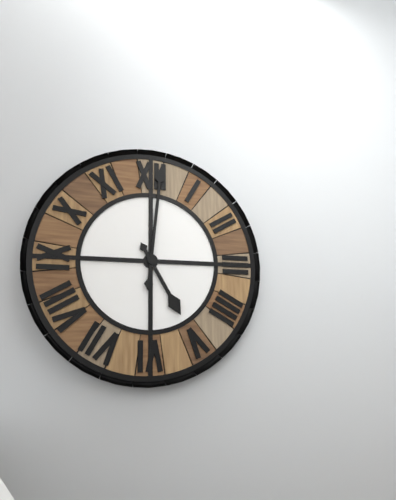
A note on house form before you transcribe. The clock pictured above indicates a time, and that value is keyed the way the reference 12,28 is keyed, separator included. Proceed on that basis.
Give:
5,01
